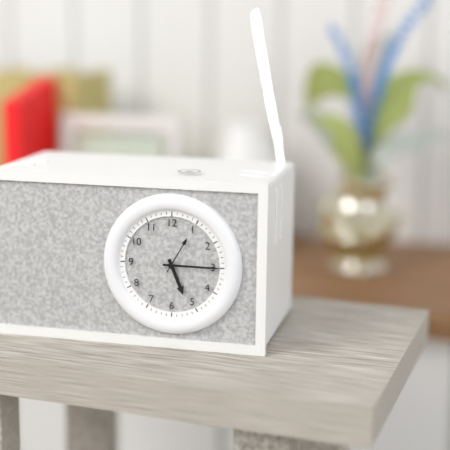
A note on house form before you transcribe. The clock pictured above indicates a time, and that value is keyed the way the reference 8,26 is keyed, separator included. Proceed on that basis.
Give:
5,15
